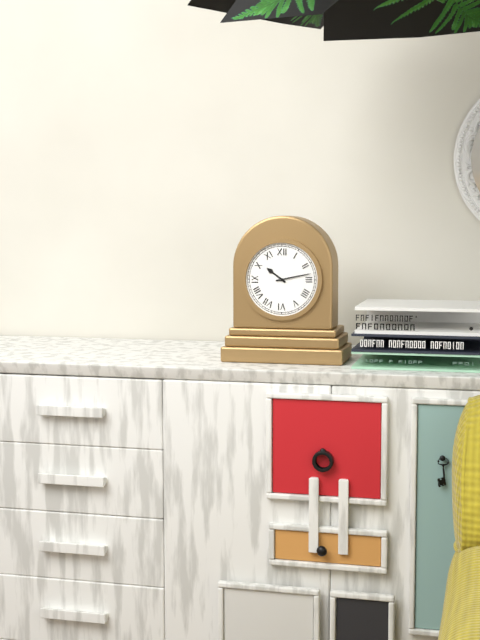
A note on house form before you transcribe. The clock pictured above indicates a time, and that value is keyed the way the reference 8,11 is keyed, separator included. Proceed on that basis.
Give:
10,13
